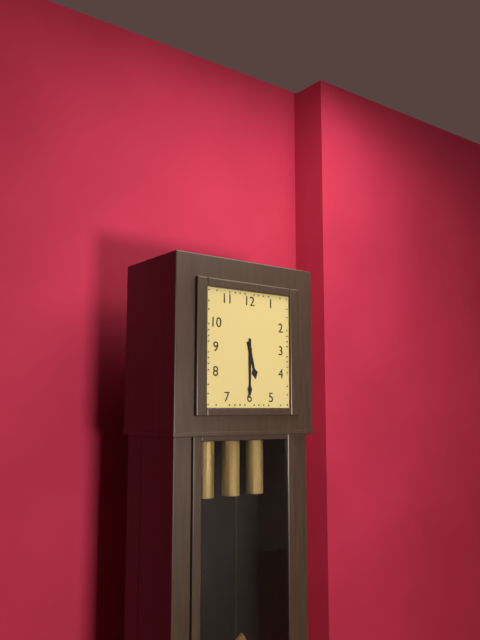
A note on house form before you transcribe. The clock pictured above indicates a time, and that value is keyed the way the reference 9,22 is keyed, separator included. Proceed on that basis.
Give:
5,30
